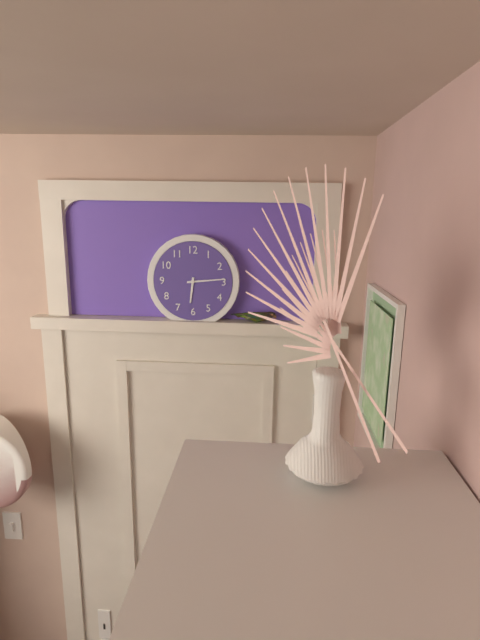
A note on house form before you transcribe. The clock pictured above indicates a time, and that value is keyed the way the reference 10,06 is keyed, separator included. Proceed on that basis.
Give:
6,14
